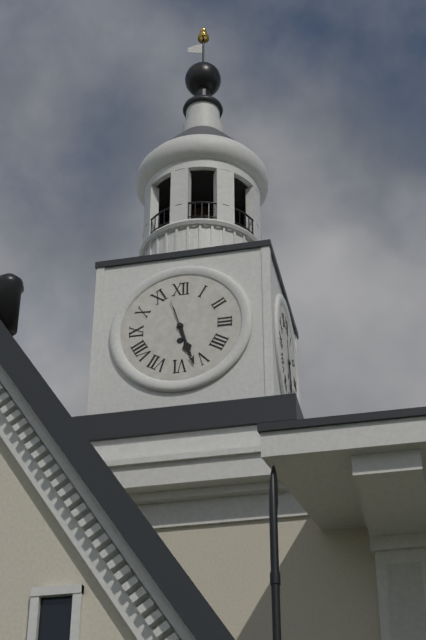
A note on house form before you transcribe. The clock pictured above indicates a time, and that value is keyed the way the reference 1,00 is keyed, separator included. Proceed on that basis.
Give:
5,27
